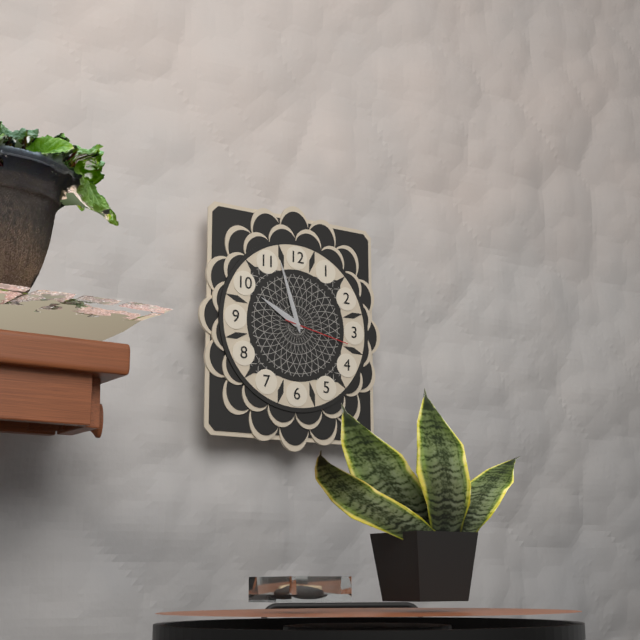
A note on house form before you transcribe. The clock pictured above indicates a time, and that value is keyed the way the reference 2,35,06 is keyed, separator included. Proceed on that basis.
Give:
9,57,17
